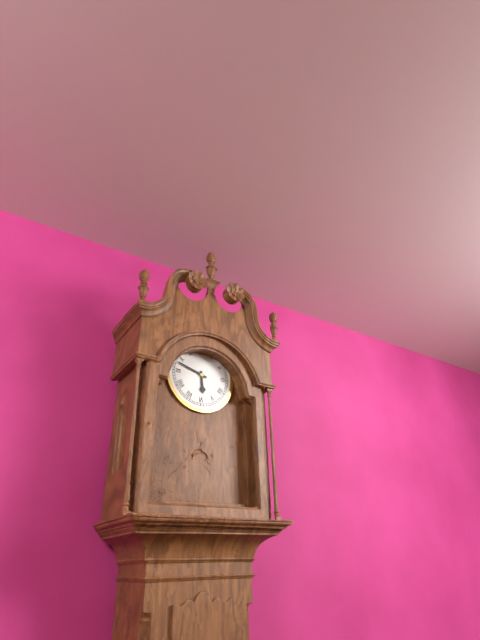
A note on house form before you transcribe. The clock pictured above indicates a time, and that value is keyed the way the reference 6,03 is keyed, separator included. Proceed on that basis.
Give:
5,48
